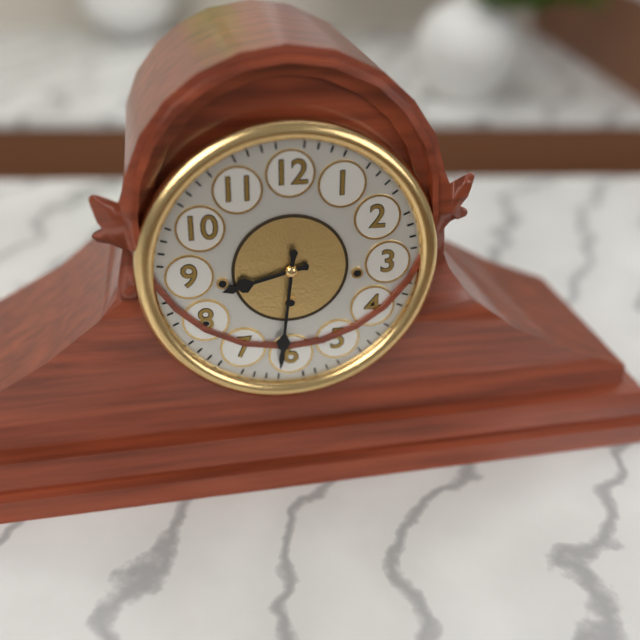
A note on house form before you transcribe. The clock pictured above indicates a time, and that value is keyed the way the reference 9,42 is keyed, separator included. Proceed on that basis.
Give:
8,31
